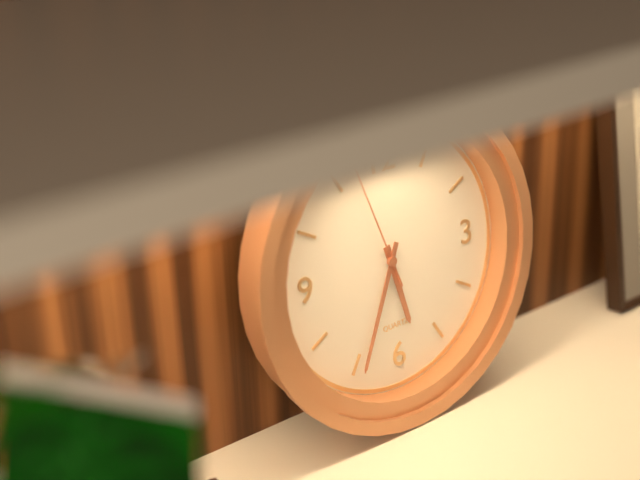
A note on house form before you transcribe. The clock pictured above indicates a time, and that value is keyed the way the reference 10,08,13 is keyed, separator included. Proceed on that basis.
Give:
5,34,57
